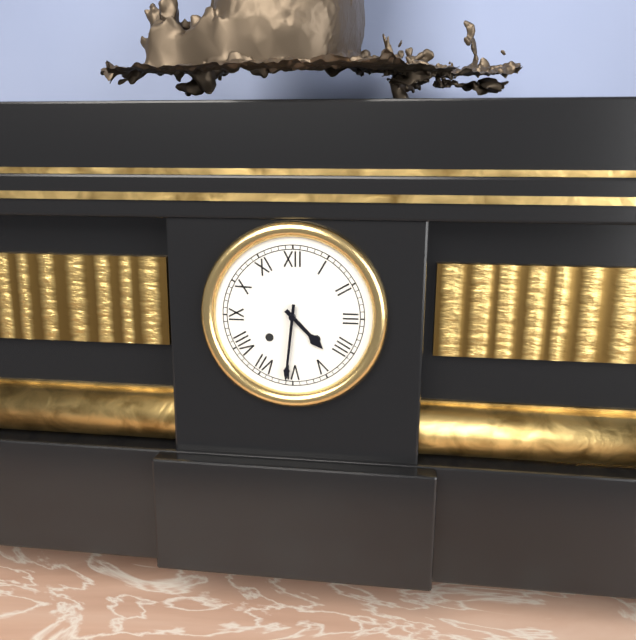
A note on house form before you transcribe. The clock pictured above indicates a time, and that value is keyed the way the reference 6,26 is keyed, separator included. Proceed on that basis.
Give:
4,31
